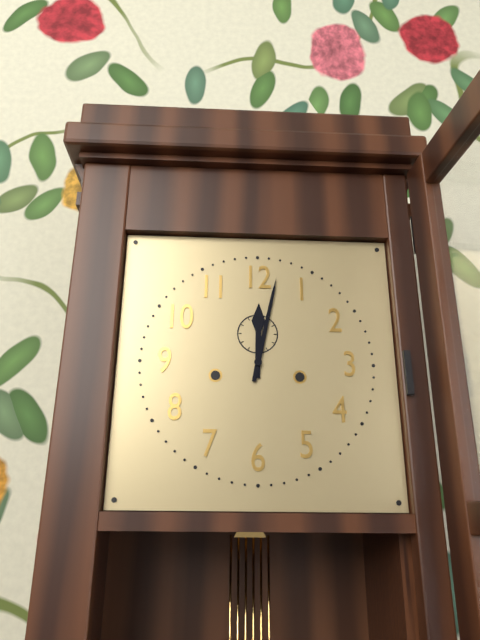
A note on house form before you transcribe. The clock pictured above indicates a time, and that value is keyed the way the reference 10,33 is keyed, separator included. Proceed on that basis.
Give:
12,02
